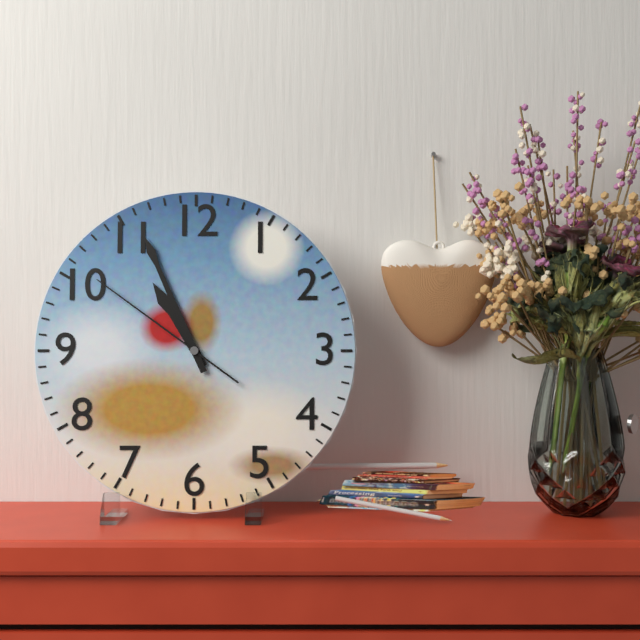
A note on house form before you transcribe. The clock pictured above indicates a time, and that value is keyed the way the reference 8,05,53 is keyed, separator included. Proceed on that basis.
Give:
10,56,51
